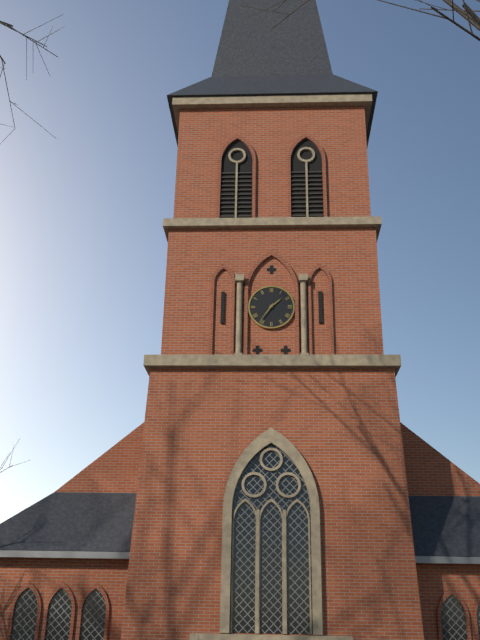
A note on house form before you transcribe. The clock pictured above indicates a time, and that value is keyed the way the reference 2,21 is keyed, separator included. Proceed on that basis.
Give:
1,36
